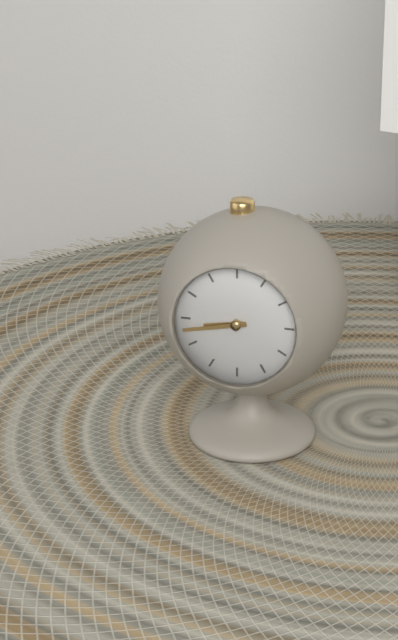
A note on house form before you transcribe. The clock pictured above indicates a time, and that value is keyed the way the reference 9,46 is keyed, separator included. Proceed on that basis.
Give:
8,43
